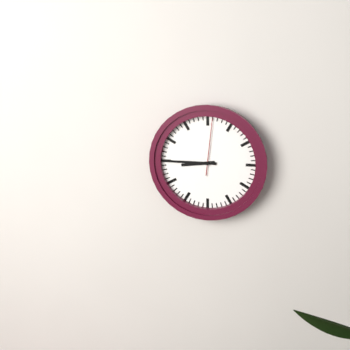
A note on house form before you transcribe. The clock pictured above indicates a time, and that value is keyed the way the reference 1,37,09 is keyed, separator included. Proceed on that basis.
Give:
8,45,01
